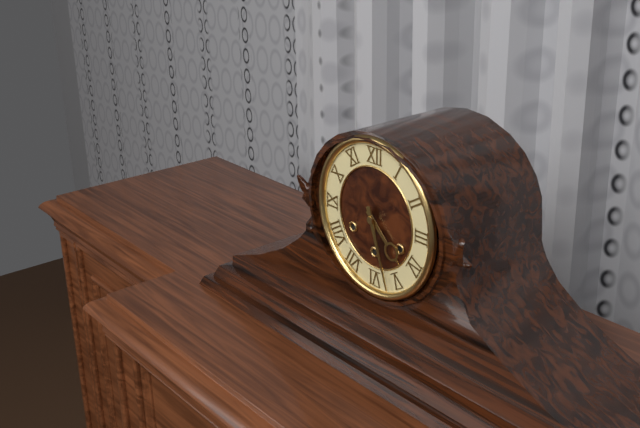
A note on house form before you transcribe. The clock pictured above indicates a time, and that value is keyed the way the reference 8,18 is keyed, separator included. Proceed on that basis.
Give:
4,27
